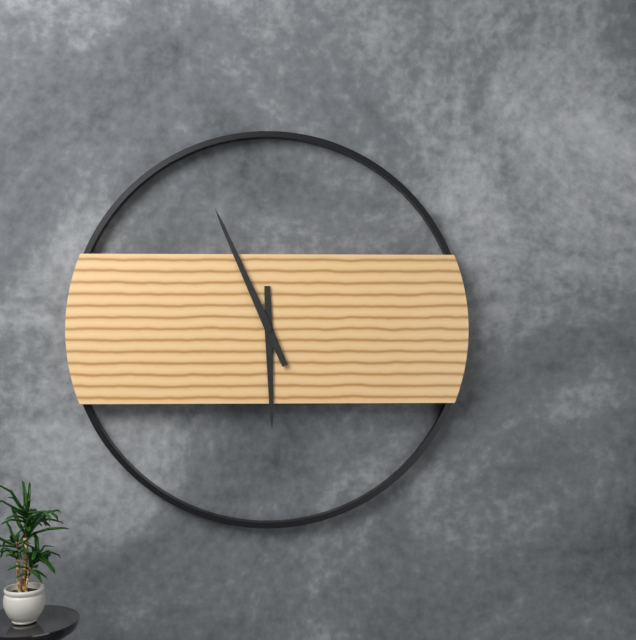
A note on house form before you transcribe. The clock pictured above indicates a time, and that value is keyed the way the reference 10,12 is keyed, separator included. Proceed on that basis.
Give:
5,56
